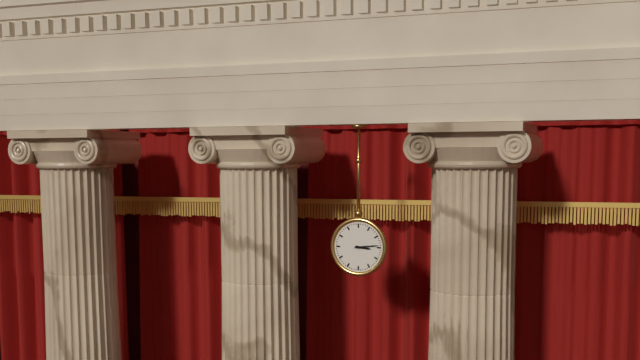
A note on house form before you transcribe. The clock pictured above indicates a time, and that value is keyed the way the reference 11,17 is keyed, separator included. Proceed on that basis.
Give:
3,14
